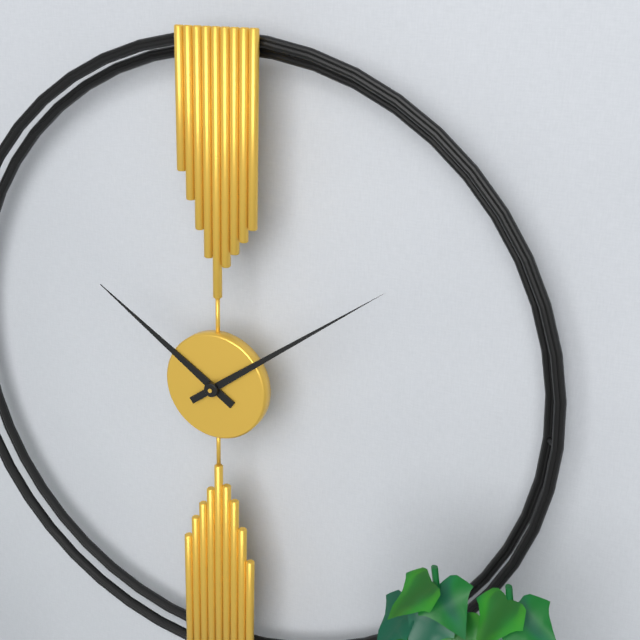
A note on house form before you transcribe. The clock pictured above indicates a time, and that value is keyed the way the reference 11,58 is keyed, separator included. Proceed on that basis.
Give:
10,09
